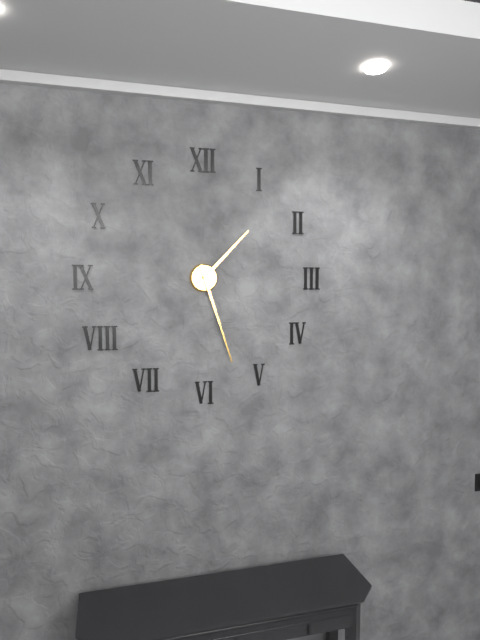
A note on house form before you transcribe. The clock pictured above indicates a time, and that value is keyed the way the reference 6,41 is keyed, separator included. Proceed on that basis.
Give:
1,27
